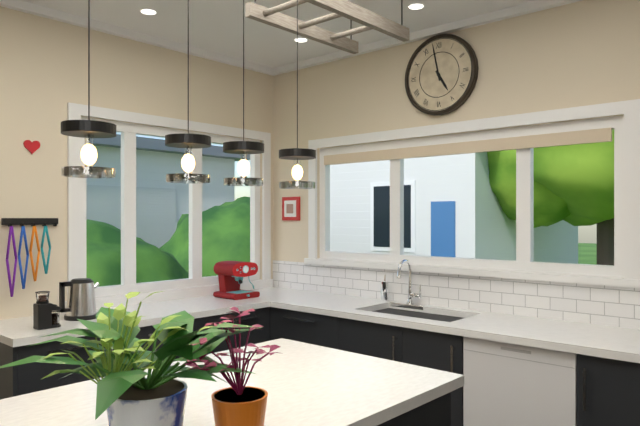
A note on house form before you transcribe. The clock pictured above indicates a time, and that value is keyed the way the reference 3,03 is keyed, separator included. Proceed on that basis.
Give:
4,58
